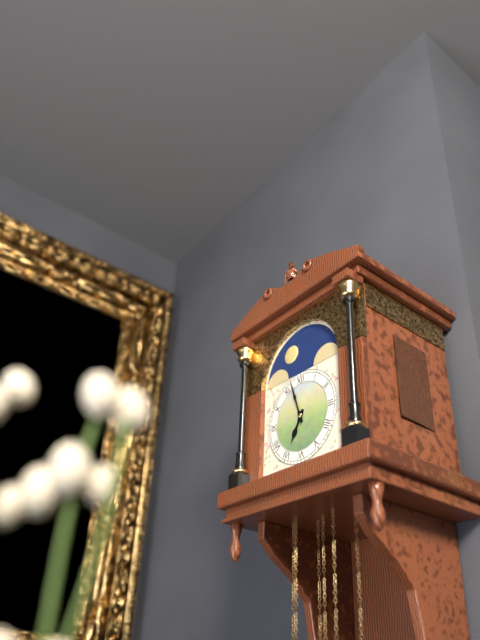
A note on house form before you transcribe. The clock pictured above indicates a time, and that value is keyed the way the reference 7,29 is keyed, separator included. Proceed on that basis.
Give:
6,57
